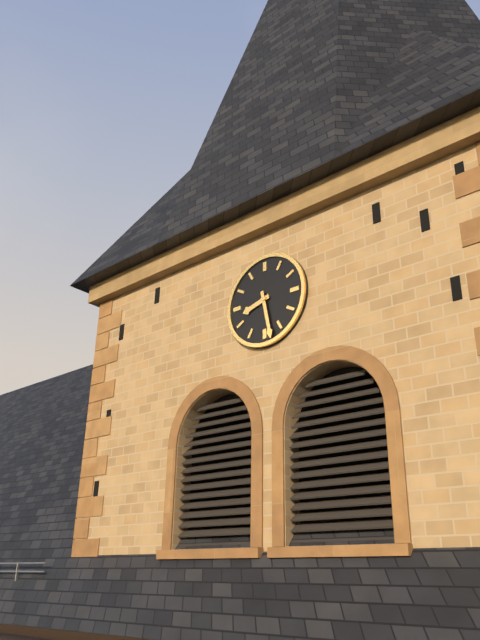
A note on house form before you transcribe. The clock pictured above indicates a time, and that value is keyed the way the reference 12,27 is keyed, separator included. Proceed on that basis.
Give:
8,28
